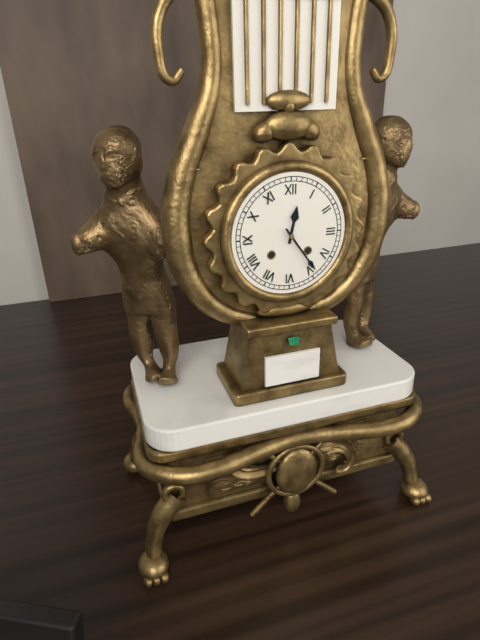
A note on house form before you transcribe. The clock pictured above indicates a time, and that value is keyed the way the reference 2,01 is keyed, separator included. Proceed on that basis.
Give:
12,24
